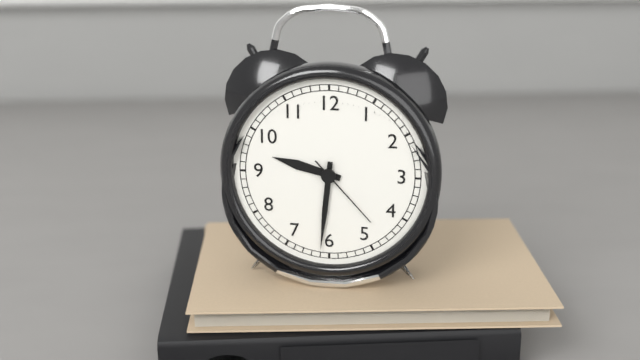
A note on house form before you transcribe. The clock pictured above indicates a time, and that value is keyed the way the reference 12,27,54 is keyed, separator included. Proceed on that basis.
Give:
9,31,23
